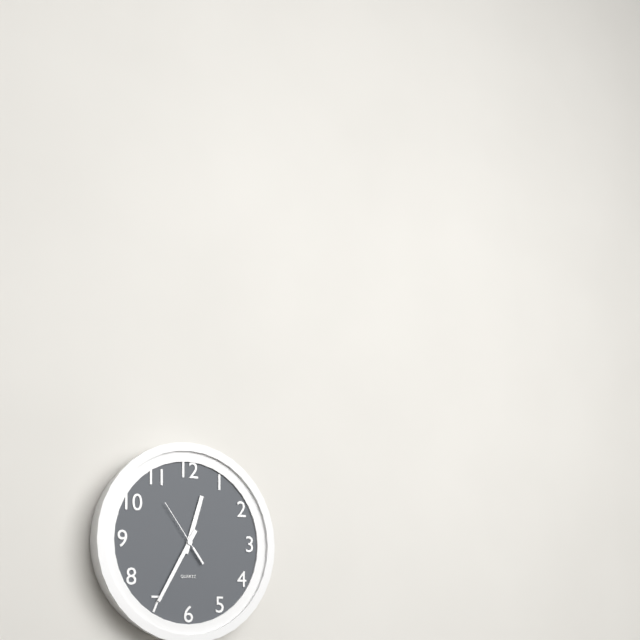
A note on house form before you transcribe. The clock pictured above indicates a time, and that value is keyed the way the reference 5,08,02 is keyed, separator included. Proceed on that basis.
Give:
12,35,54
